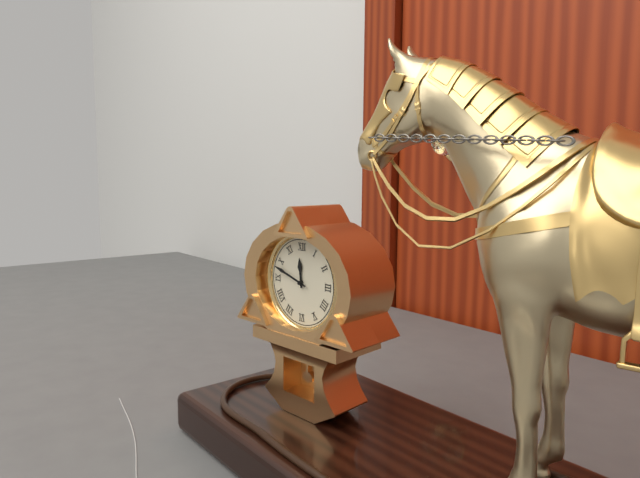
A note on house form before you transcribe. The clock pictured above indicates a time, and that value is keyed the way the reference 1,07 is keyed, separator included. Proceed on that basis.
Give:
11,48
